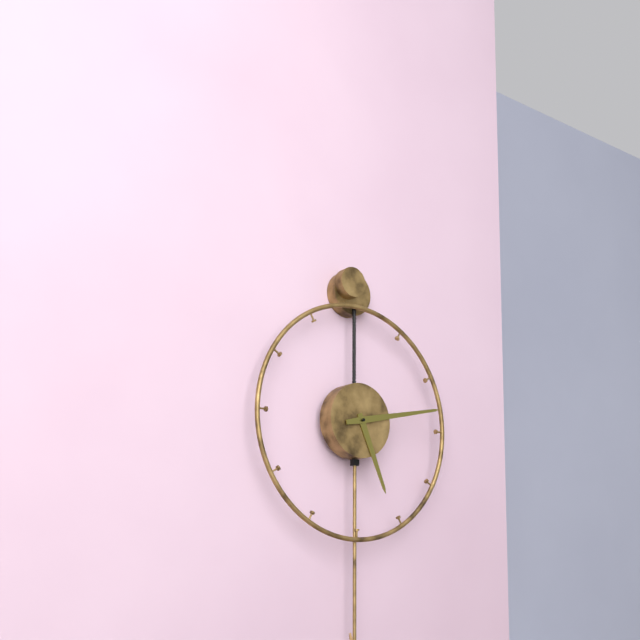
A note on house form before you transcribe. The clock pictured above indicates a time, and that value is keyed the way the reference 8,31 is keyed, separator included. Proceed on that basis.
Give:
5,13
